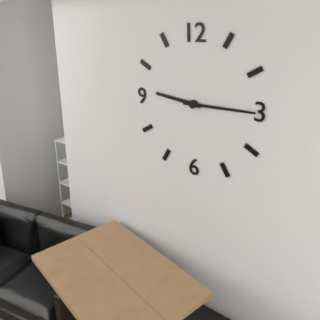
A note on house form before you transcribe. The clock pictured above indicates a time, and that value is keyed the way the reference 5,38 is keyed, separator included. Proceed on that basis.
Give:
9,15
